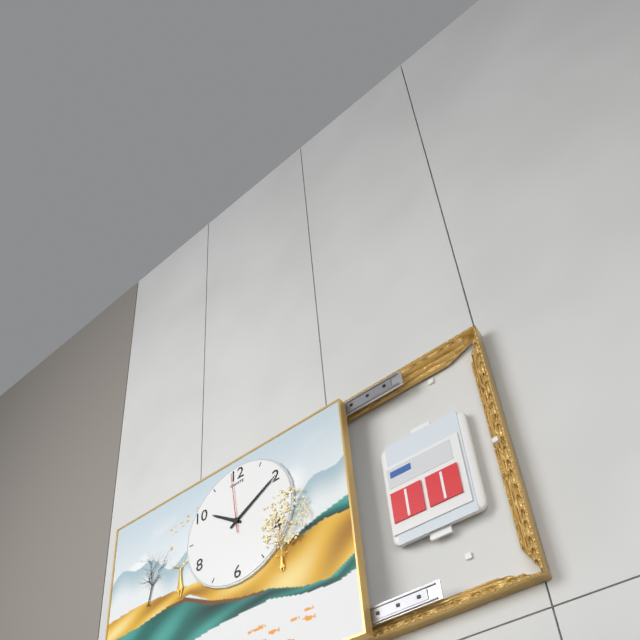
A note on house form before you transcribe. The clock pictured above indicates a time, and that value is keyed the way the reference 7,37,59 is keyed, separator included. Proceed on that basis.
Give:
10,10,59
